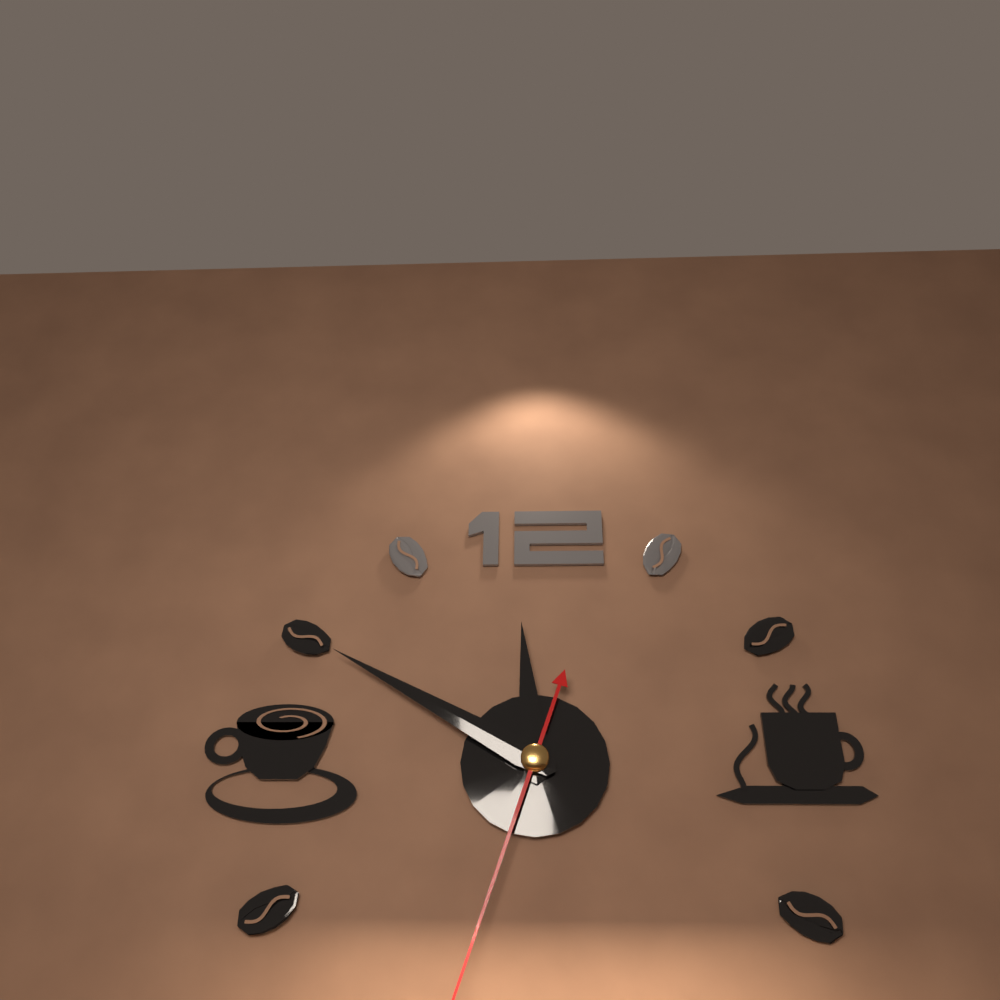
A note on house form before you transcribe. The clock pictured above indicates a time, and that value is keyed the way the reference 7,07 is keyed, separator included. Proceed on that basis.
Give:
11,50
